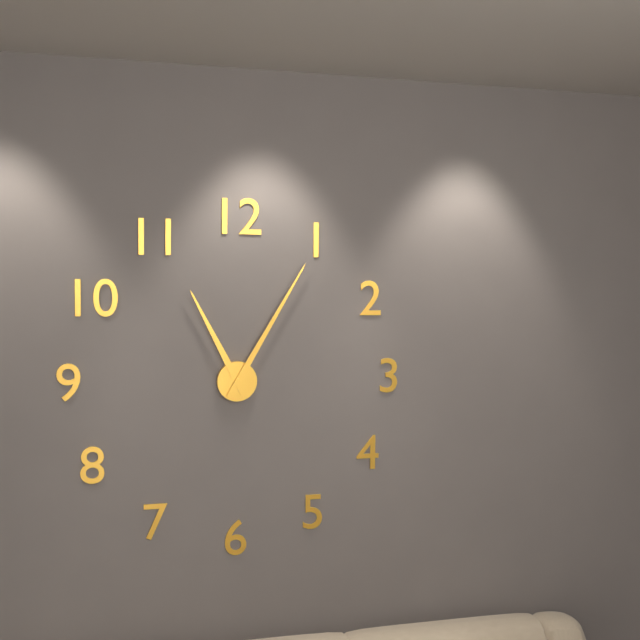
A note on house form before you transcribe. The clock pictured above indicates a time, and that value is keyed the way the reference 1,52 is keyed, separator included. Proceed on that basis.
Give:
11,05
